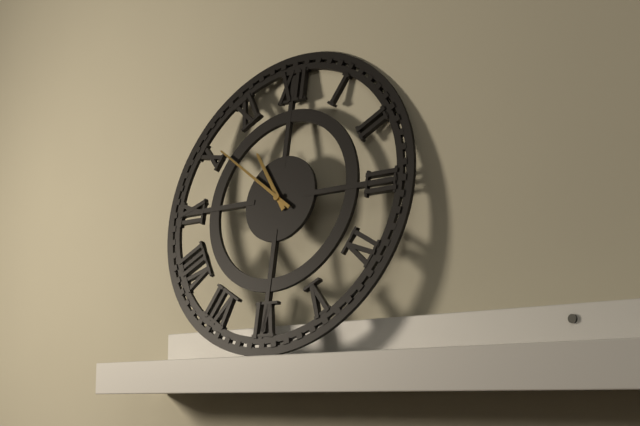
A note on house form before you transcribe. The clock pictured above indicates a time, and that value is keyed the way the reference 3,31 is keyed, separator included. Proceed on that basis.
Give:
10,51
